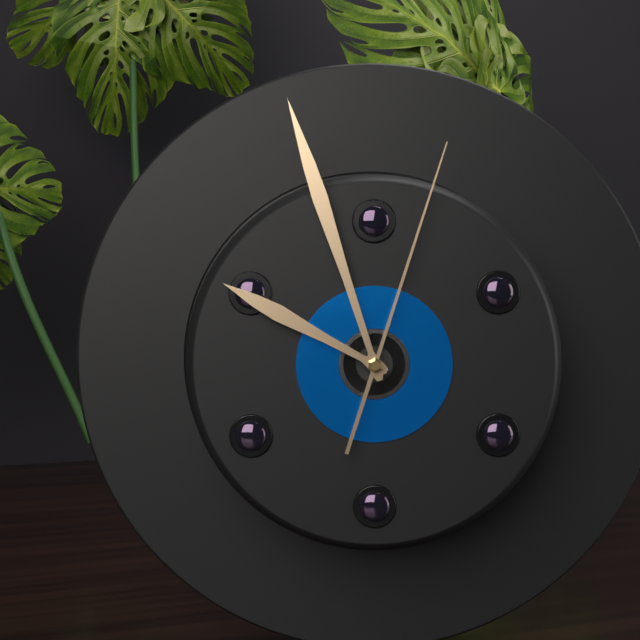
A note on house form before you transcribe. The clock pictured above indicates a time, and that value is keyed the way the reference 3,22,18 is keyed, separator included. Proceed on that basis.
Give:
9,57,03
